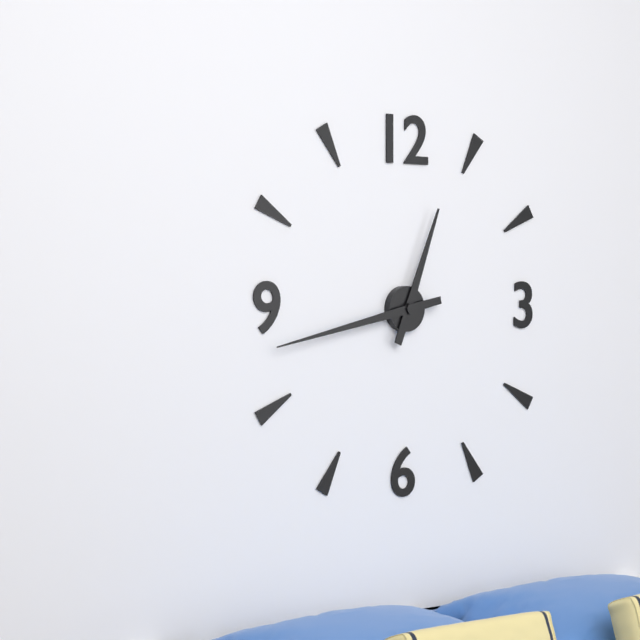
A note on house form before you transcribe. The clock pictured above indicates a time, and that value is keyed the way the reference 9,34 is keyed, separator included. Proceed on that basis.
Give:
12,43
